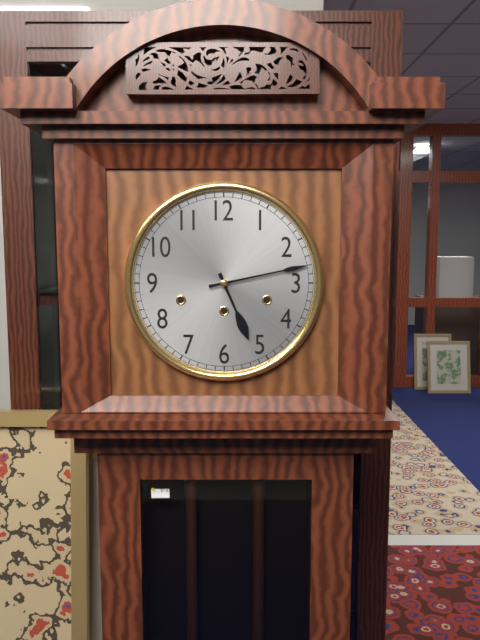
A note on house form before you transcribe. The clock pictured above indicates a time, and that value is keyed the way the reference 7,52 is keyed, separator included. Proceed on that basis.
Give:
5,13
